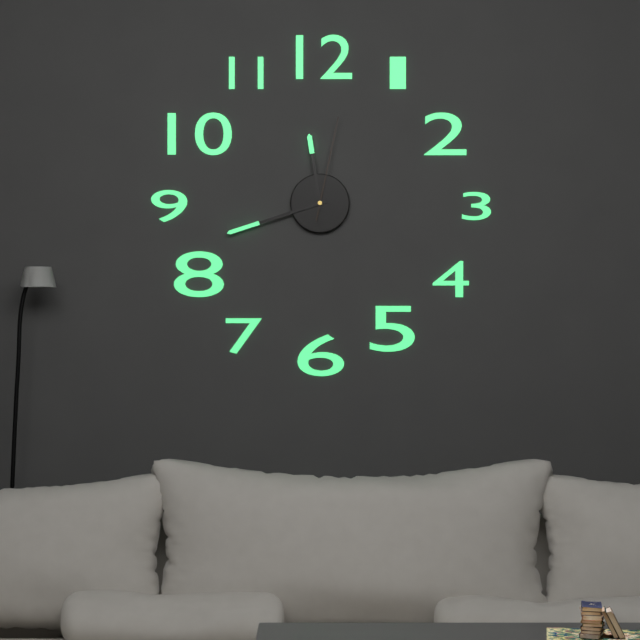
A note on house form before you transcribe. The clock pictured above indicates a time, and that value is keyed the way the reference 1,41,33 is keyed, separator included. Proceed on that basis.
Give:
11,42,02
